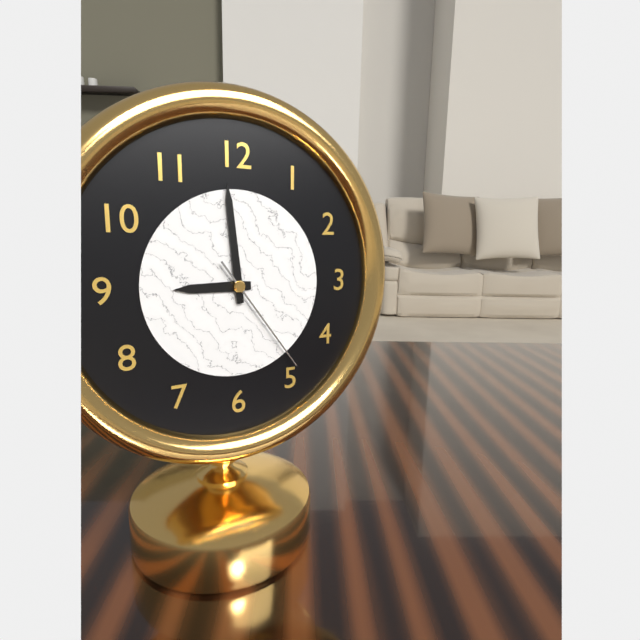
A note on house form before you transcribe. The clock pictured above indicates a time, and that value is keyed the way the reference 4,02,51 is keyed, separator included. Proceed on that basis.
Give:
8,59,24
